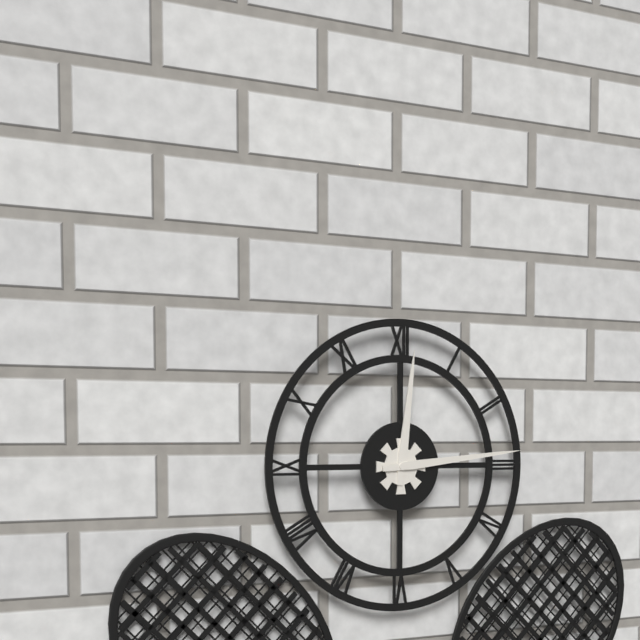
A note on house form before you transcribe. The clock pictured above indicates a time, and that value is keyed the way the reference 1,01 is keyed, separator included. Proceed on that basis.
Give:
12,14
